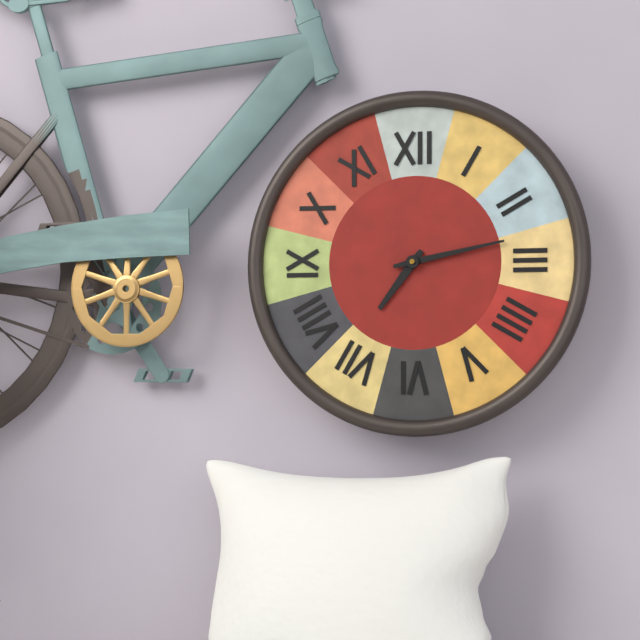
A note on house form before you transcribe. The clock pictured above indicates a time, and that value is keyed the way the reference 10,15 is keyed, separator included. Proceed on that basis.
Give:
7,13
